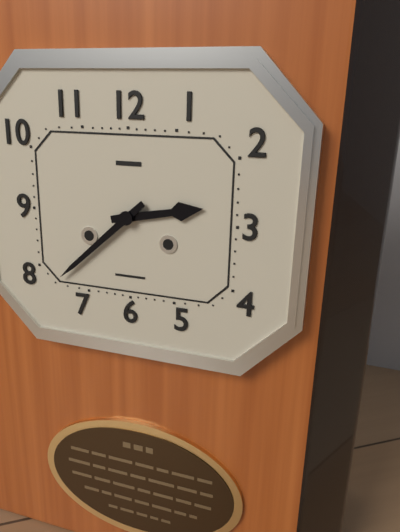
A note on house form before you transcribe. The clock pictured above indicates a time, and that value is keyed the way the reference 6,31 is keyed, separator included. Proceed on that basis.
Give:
2,38
